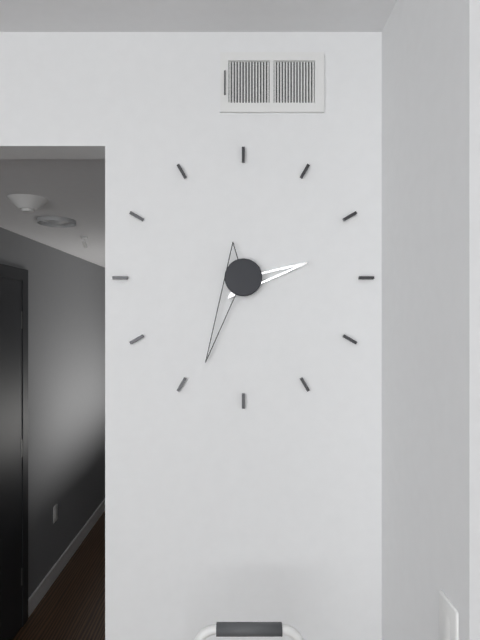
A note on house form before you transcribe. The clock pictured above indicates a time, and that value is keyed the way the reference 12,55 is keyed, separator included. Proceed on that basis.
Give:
2,34
